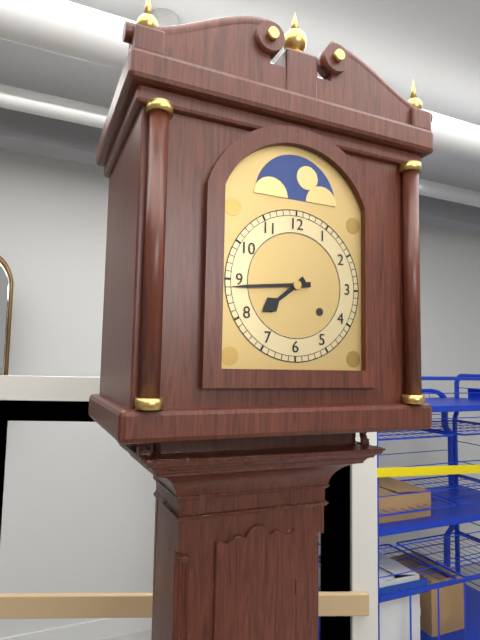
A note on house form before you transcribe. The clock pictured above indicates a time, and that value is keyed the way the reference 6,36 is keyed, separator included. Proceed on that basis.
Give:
7,44
